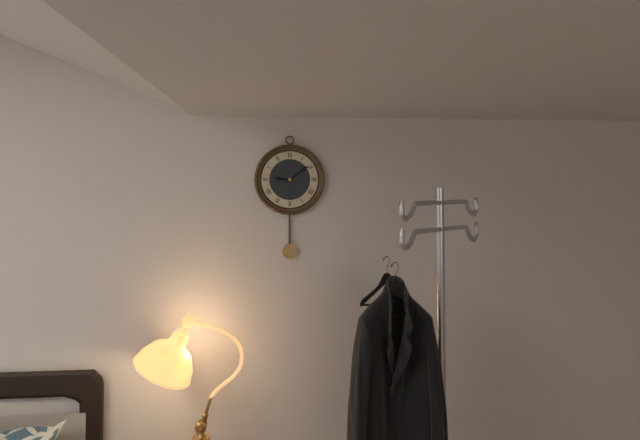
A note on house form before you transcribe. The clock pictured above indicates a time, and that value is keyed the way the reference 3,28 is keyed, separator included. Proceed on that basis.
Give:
9,09
